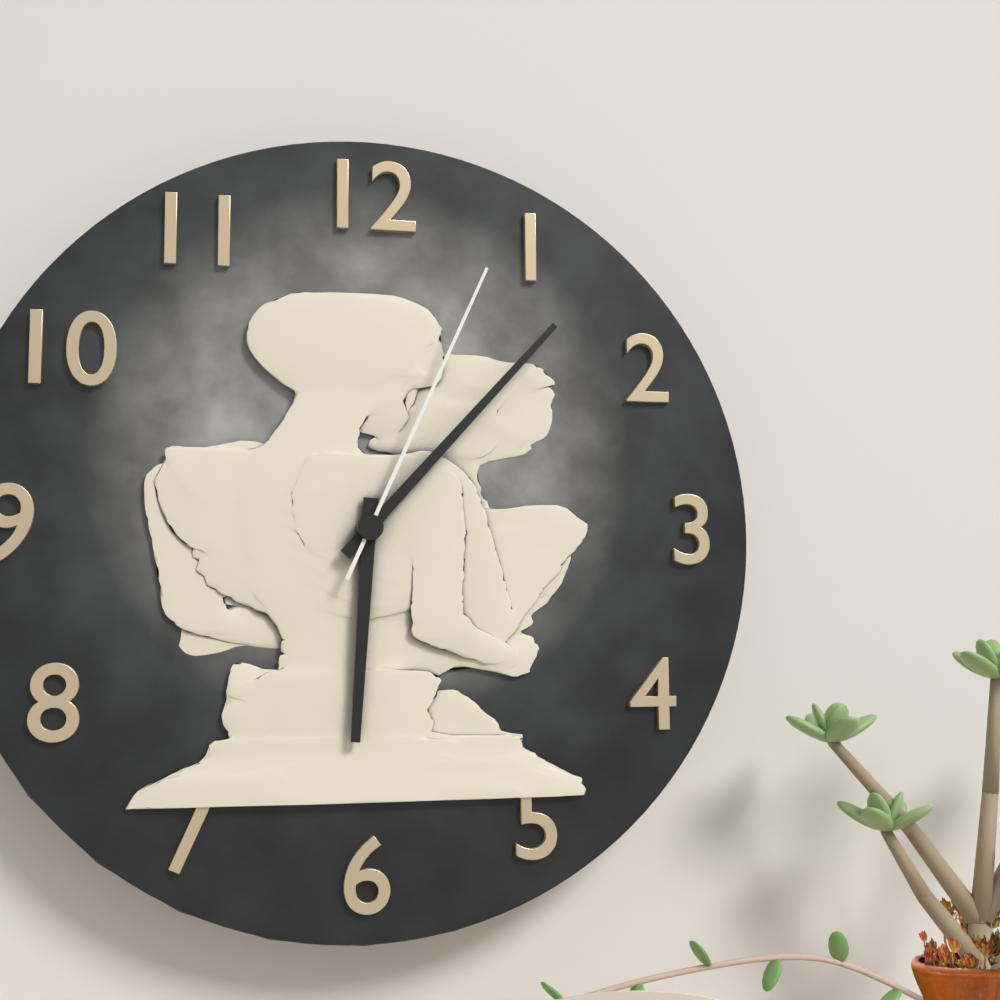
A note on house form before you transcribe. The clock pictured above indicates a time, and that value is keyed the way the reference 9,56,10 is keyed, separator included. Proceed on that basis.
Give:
6,07,04
